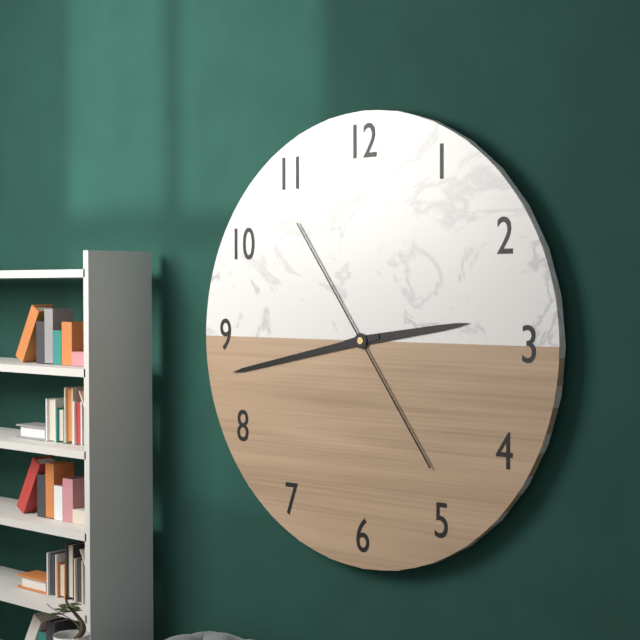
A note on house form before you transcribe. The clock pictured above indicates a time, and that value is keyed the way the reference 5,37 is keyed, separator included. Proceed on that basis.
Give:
2,43
